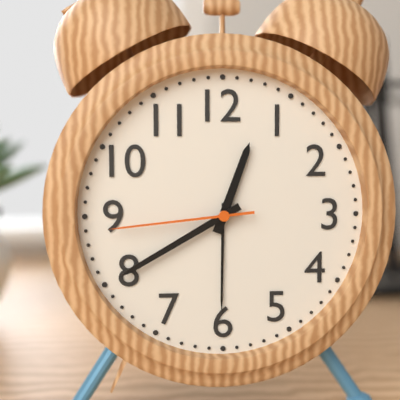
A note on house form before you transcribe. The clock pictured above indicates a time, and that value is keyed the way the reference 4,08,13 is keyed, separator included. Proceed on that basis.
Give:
12,40,44
